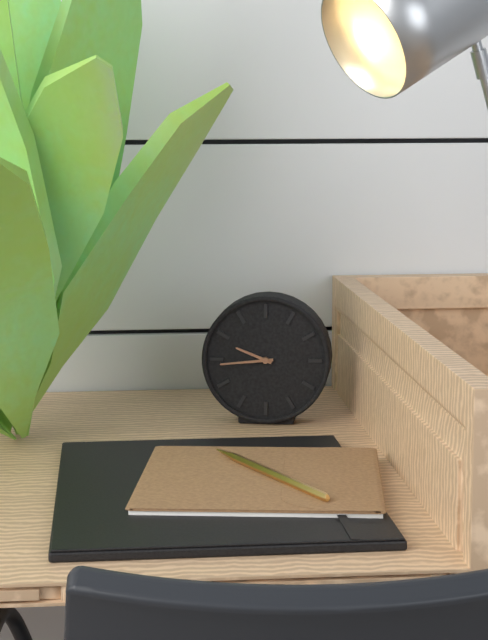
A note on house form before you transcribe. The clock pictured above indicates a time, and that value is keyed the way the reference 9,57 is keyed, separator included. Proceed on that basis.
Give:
9,44
